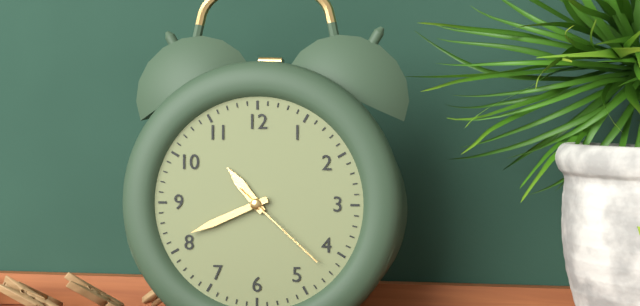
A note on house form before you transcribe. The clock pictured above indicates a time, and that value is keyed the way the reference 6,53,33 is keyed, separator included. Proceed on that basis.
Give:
10,41,22
